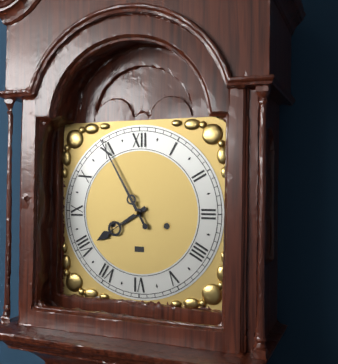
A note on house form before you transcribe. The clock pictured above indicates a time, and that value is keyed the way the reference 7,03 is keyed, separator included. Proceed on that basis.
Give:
7,55
